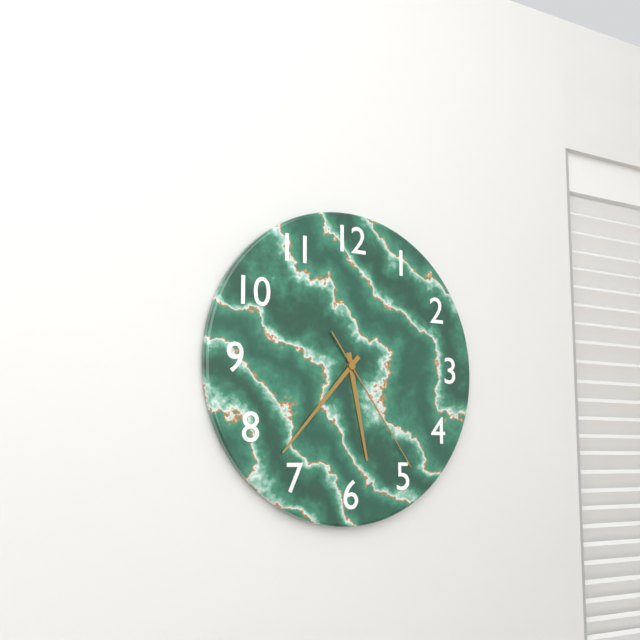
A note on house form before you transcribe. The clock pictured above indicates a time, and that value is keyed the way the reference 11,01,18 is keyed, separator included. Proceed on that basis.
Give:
5,37,24
